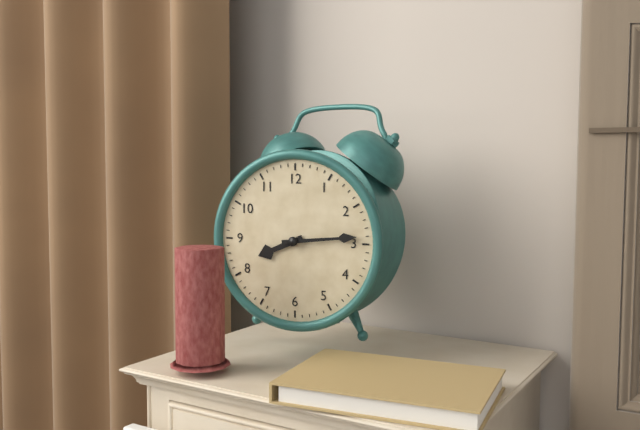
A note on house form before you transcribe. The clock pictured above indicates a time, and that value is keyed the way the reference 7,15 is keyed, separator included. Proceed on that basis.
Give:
8,14
